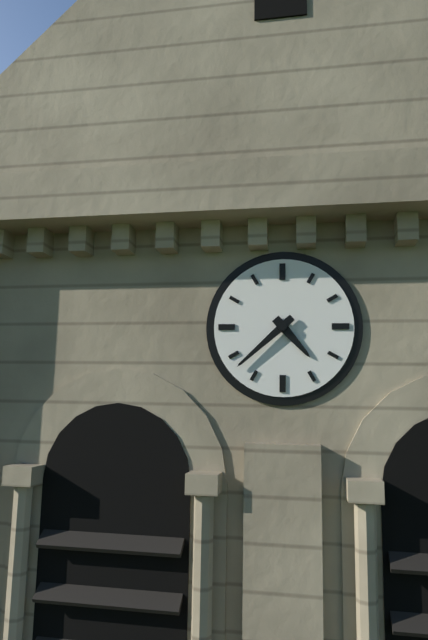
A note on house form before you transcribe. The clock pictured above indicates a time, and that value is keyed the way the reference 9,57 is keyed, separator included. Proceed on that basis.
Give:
4,38
